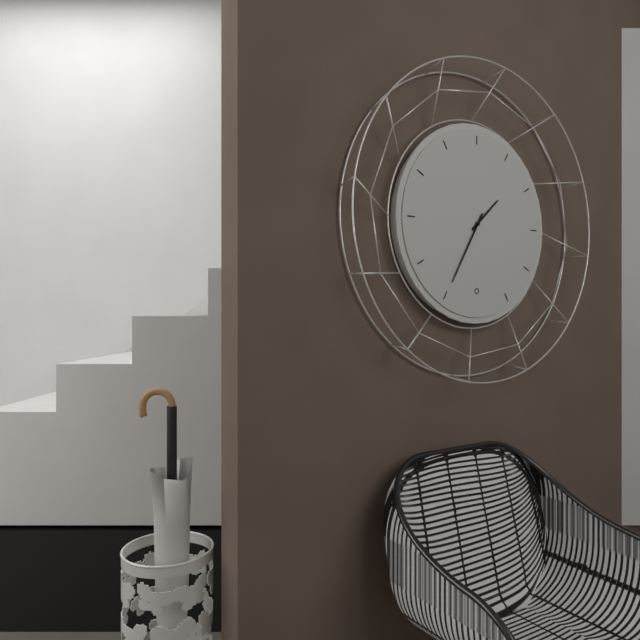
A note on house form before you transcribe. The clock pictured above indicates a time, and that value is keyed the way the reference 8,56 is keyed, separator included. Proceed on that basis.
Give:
1,35
